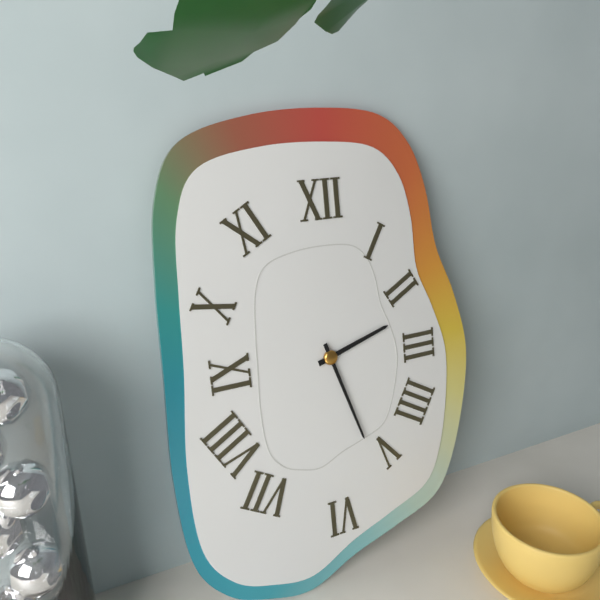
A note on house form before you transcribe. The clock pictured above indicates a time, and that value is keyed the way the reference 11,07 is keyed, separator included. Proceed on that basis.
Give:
2,27
